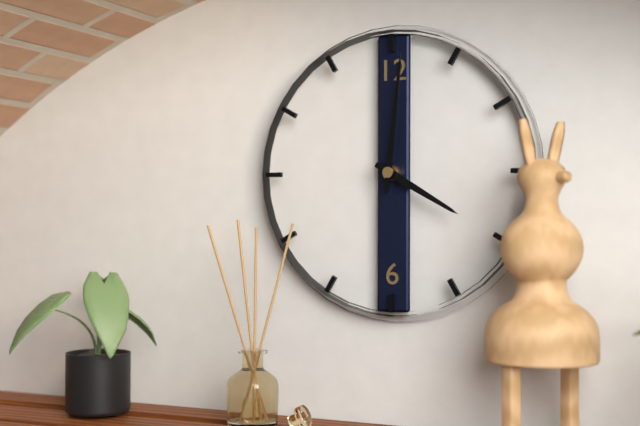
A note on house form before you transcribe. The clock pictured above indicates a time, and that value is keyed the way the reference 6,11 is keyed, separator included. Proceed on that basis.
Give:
4,01
